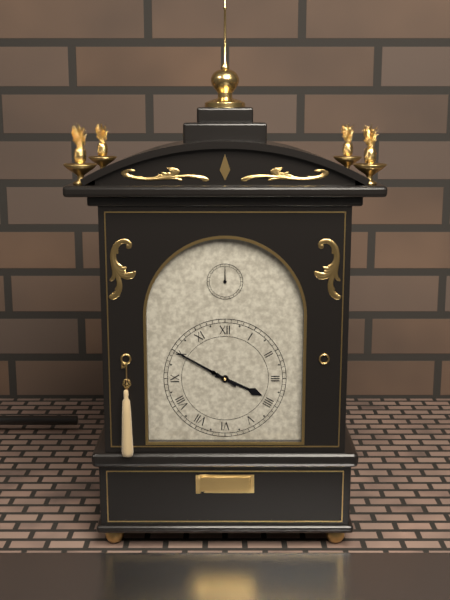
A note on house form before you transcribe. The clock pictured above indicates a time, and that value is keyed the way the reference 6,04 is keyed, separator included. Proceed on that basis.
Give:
3,50
